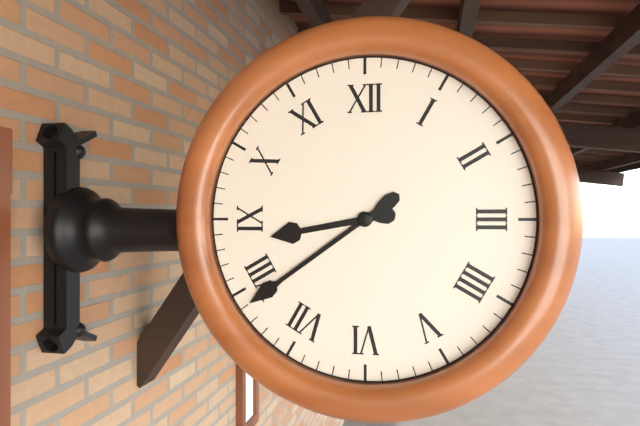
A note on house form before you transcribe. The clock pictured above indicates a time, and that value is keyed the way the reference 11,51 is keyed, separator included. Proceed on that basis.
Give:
8,39
